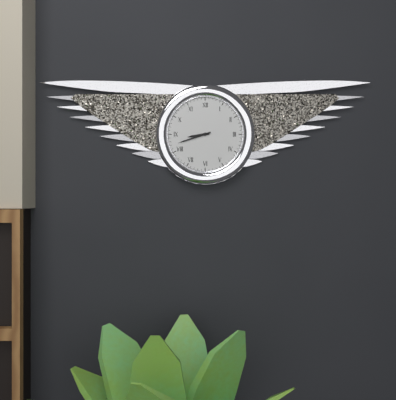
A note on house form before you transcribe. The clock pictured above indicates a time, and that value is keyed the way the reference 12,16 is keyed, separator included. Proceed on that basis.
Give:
8,42
